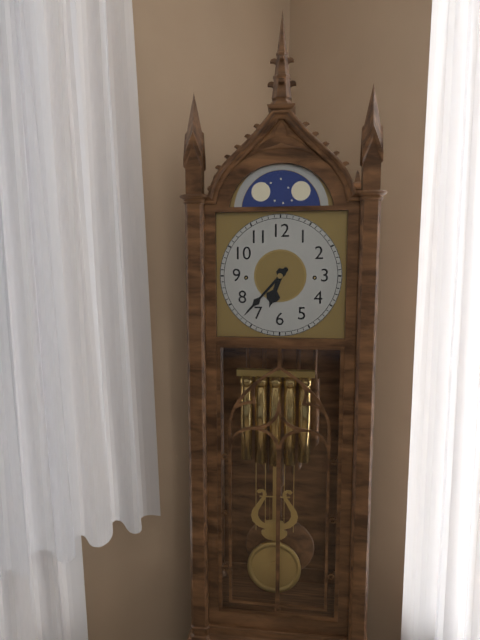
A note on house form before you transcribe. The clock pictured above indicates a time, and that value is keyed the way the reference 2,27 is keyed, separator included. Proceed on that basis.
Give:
6,37
